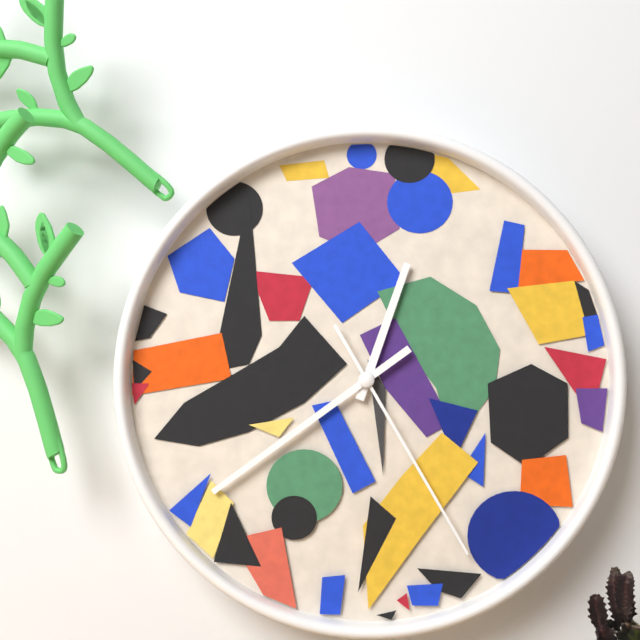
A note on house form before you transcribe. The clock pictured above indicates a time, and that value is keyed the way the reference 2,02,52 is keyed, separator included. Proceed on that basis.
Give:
12,39,25
